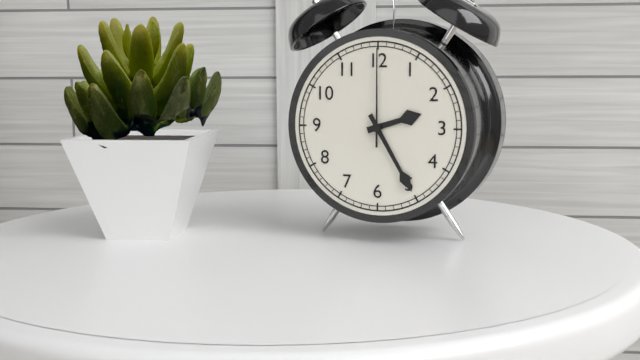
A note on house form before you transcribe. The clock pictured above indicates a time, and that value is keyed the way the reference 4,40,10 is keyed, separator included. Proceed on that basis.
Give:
2,25,00
